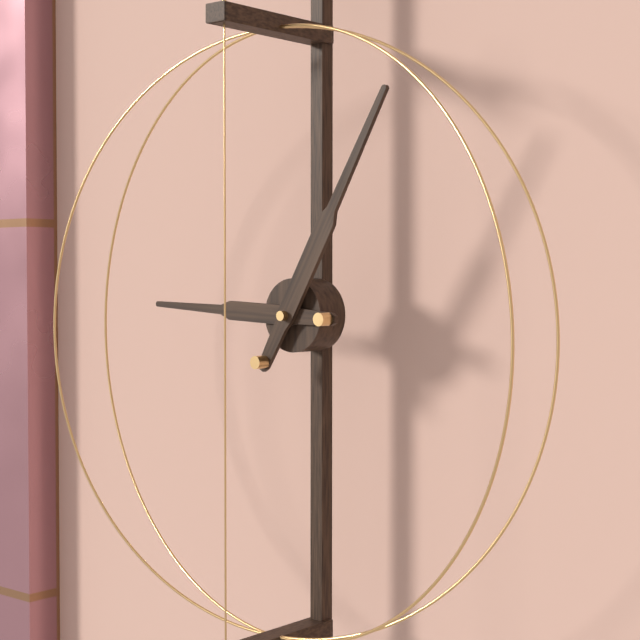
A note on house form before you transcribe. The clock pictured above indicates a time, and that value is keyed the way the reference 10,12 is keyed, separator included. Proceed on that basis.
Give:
9,05
